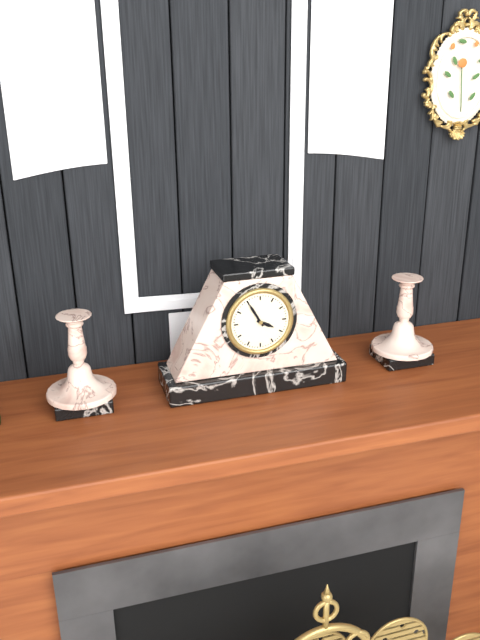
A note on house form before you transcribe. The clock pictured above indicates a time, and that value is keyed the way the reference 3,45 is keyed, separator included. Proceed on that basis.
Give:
3,55
